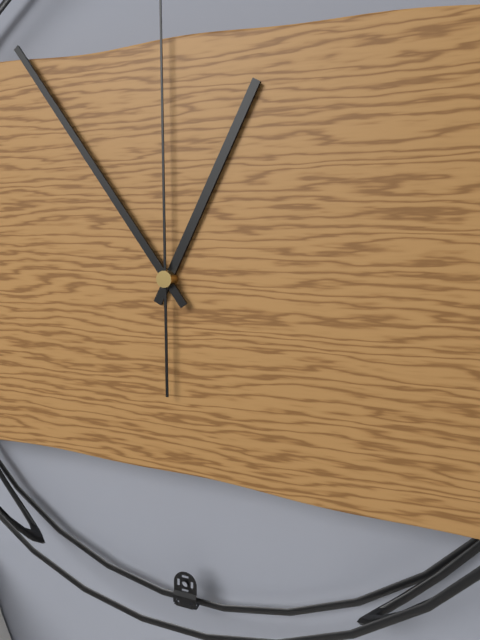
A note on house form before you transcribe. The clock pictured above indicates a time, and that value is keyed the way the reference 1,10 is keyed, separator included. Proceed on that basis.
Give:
12,54
